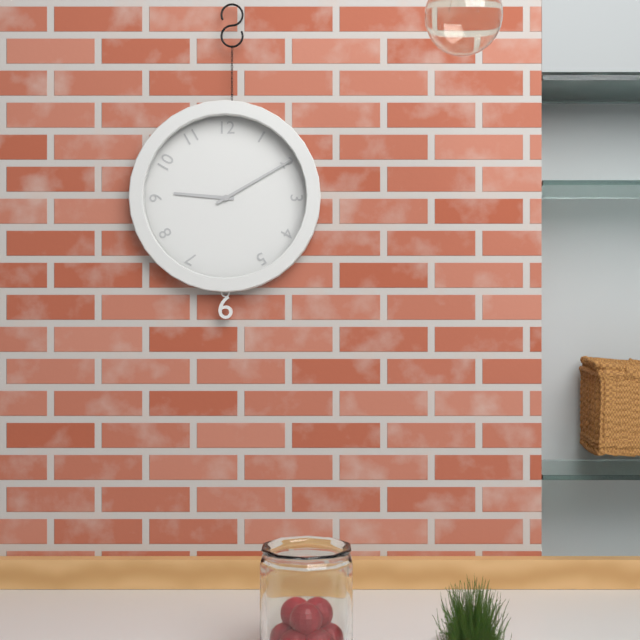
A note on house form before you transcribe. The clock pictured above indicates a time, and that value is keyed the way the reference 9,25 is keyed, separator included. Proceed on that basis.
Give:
9,10
